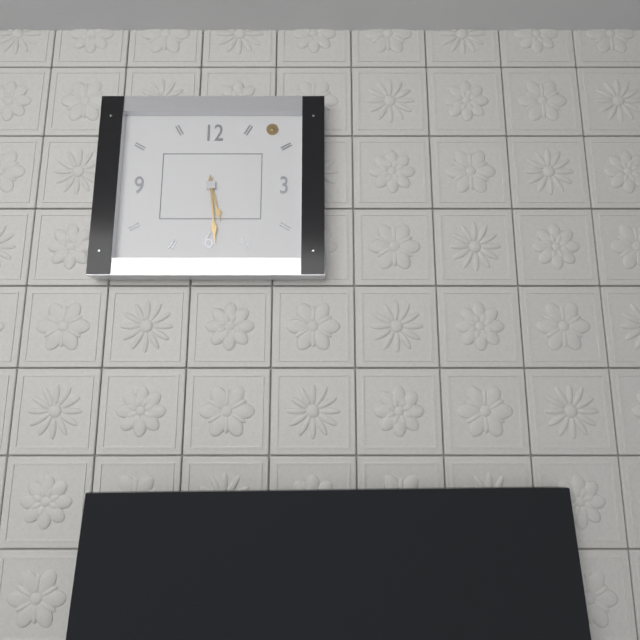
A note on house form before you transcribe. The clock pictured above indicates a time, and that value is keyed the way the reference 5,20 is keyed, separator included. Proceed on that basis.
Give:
5,29
